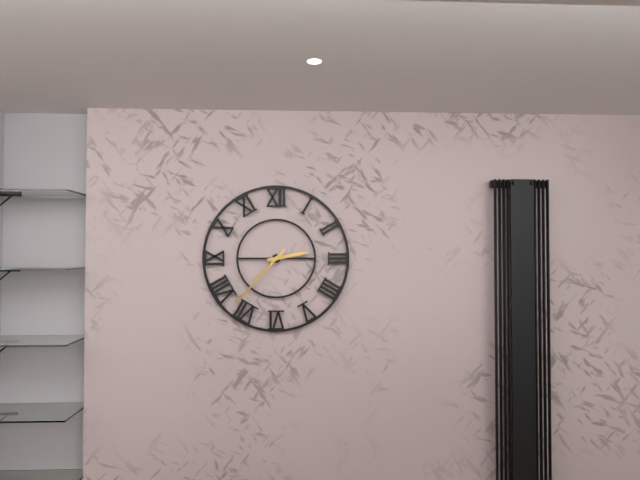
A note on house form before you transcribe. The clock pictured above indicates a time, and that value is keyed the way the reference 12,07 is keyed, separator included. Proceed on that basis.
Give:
2,37
